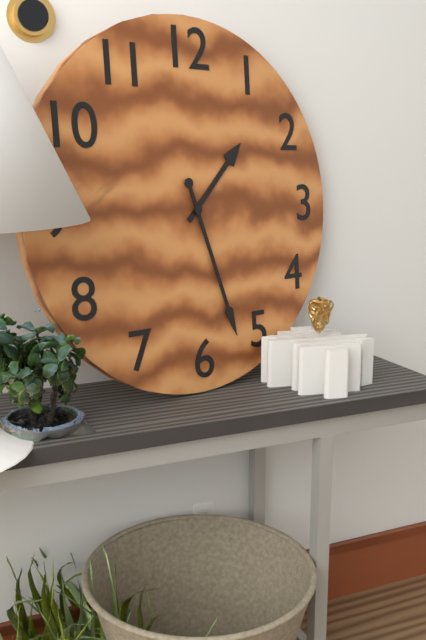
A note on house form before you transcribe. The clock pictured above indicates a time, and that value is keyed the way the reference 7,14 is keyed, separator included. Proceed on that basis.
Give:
1,27
